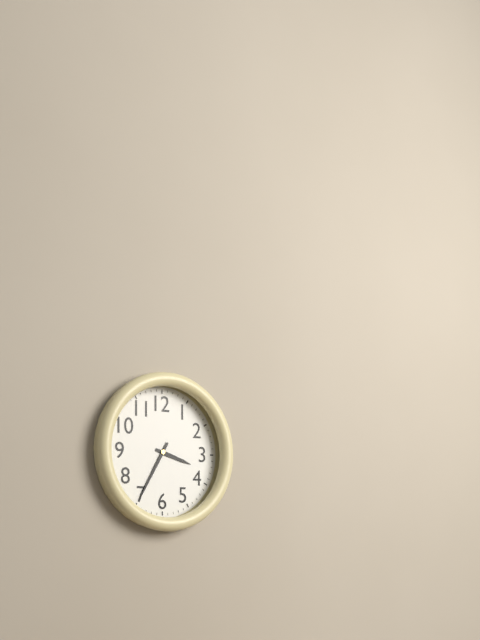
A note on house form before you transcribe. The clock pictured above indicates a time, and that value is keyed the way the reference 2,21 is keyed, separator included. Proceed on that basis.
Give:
3,35
